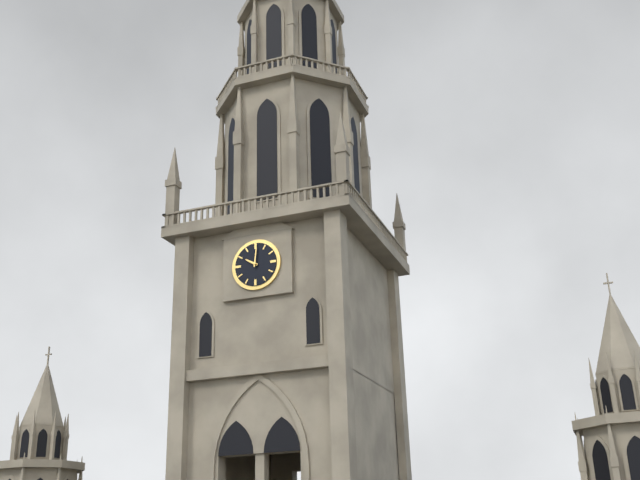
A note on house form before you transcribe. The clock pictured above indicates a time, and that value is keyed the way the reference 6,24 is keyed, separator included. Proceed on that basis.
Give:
10,01
